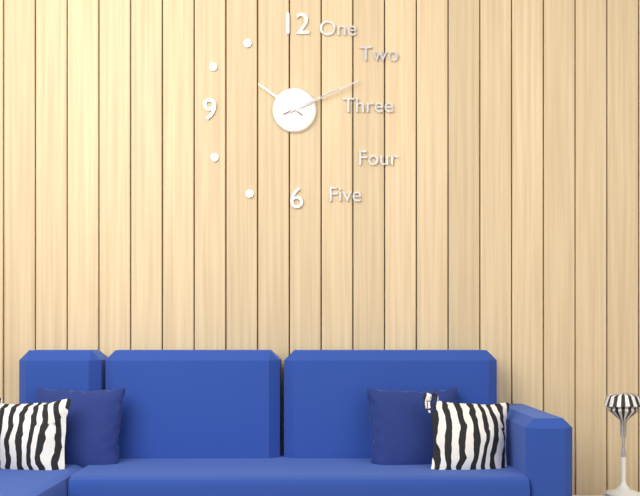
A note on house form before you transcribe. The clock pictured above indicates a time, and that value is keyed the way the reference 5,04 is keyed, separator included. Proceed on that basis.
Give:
10,11
